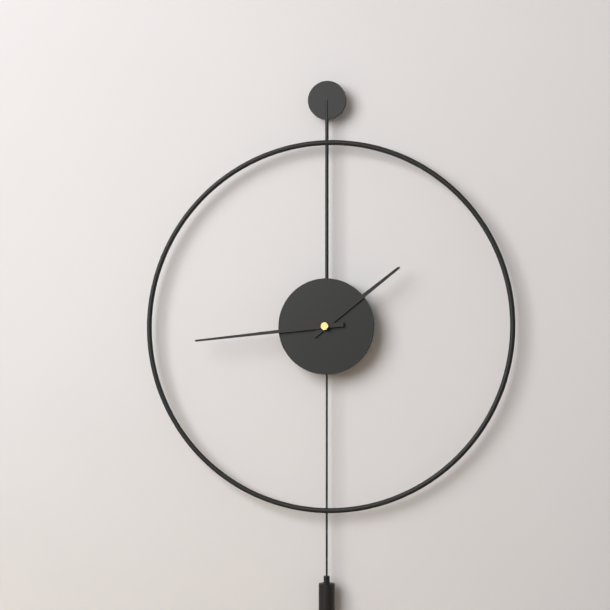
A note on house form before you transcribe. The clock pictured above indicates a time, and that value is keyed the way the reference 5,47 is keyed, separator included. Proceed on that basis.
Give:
1,44
